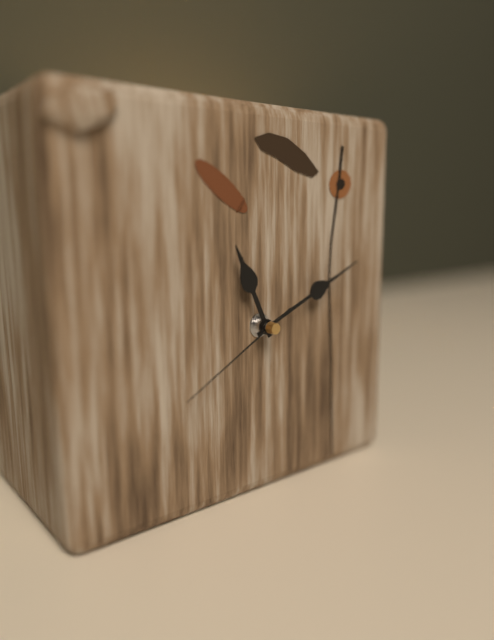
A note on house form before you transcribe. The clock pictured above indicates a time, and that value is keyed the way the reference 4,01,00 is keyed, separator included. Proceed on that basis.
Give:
11,11,40
